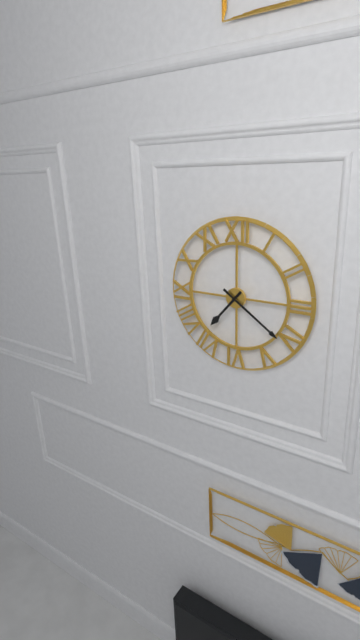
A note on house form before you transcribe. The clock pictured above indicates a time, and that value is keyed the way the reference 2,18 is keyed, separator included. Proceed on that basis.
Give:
7,21
